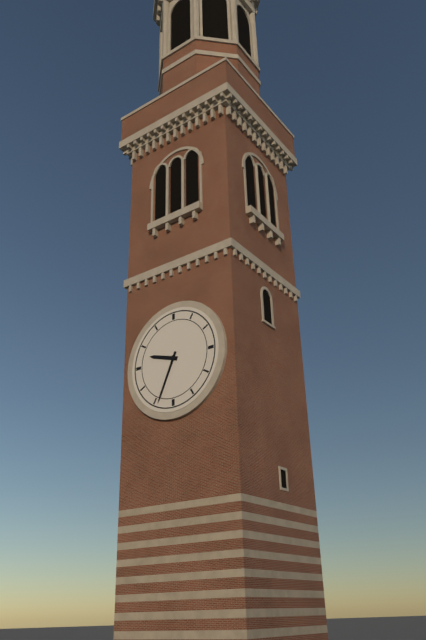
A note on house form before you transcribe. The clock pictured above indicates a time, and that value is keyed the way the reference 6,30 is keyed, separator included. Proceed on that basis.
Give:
9,34
